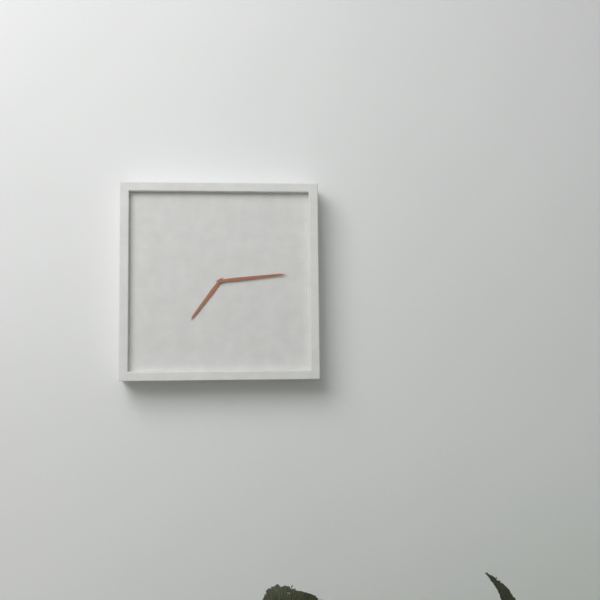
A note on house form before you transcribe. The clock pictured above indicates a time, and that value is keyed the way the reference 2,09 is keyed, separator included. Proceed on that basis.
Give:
7,14
